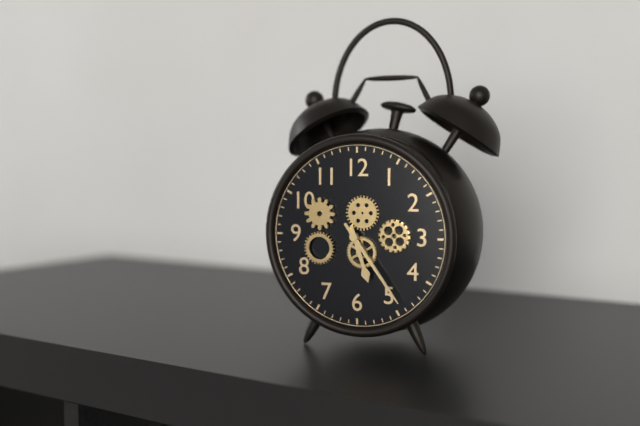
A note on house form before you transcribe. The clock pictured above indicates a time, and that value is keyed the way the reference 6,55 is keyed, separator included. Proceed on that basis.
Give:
5,24
